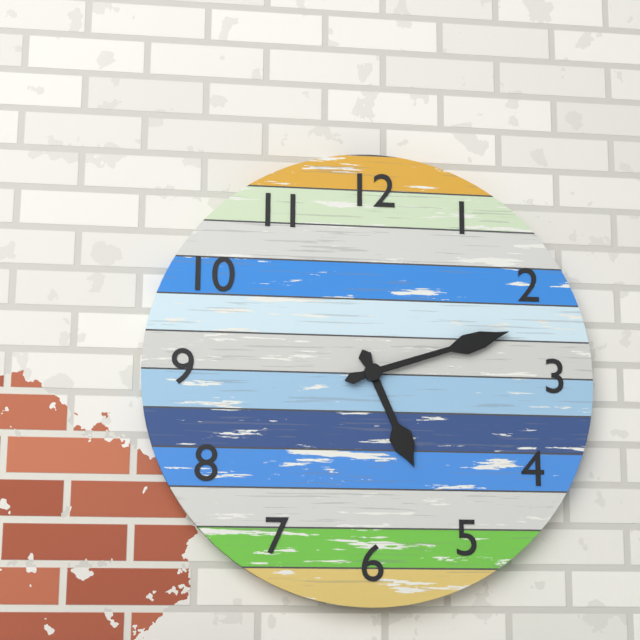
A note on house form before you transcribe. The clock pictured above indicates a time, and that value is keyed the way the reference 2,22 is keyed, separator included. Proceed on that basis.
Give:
5,12
